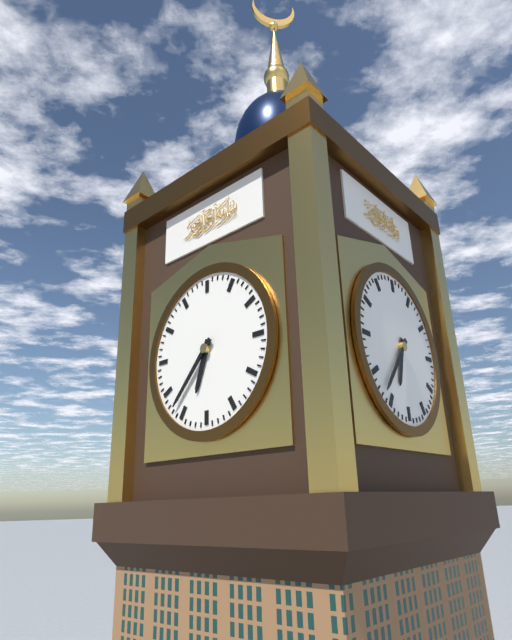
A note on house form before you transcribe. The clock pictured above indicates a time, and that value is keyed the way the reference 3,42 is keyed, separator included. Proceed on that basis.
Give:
6,37
